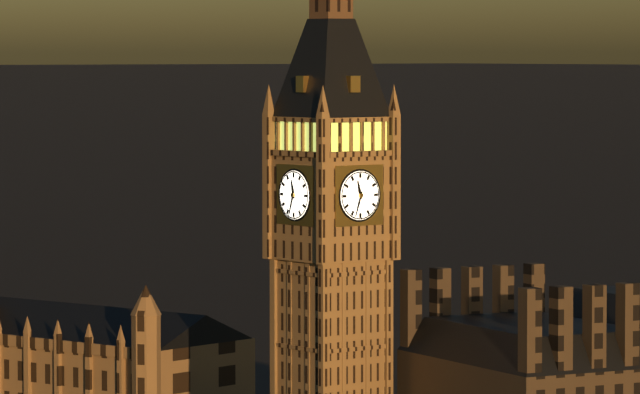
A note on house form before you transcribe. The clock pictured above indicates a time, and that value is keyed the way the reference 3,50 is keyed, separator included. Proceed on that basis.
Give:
11,33
